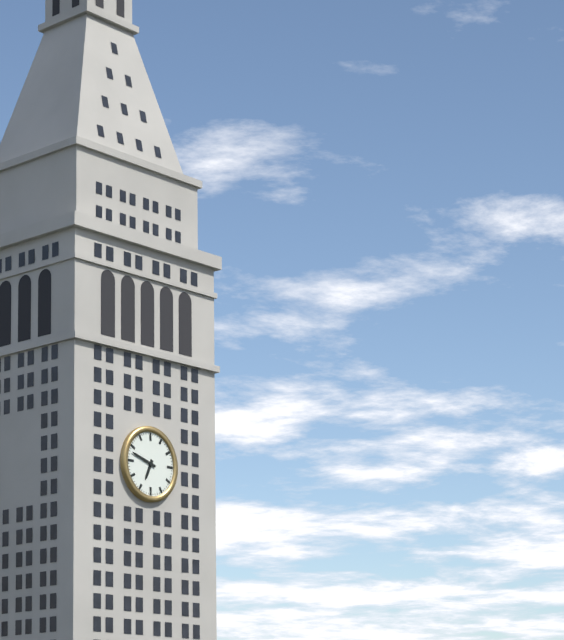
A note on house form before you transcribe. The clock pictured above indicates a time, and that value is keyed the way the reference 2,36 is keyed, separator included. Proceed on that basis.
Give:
6,48
